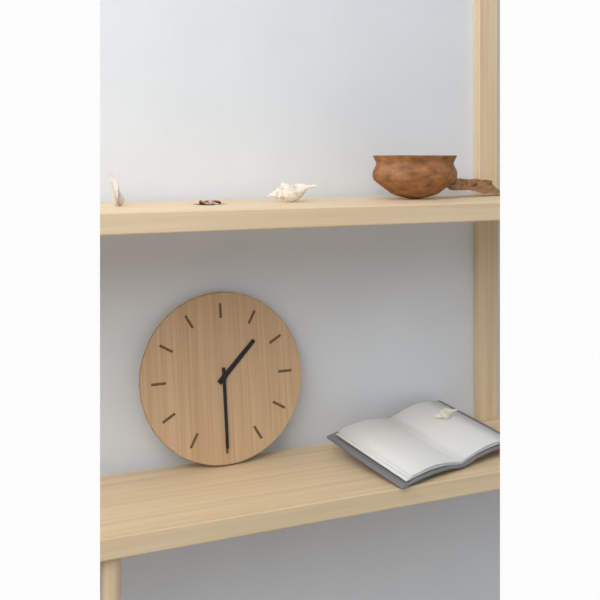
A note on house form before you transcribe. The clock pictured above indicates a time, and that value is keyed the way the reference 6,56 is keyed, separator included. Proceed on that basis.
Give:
1,30
